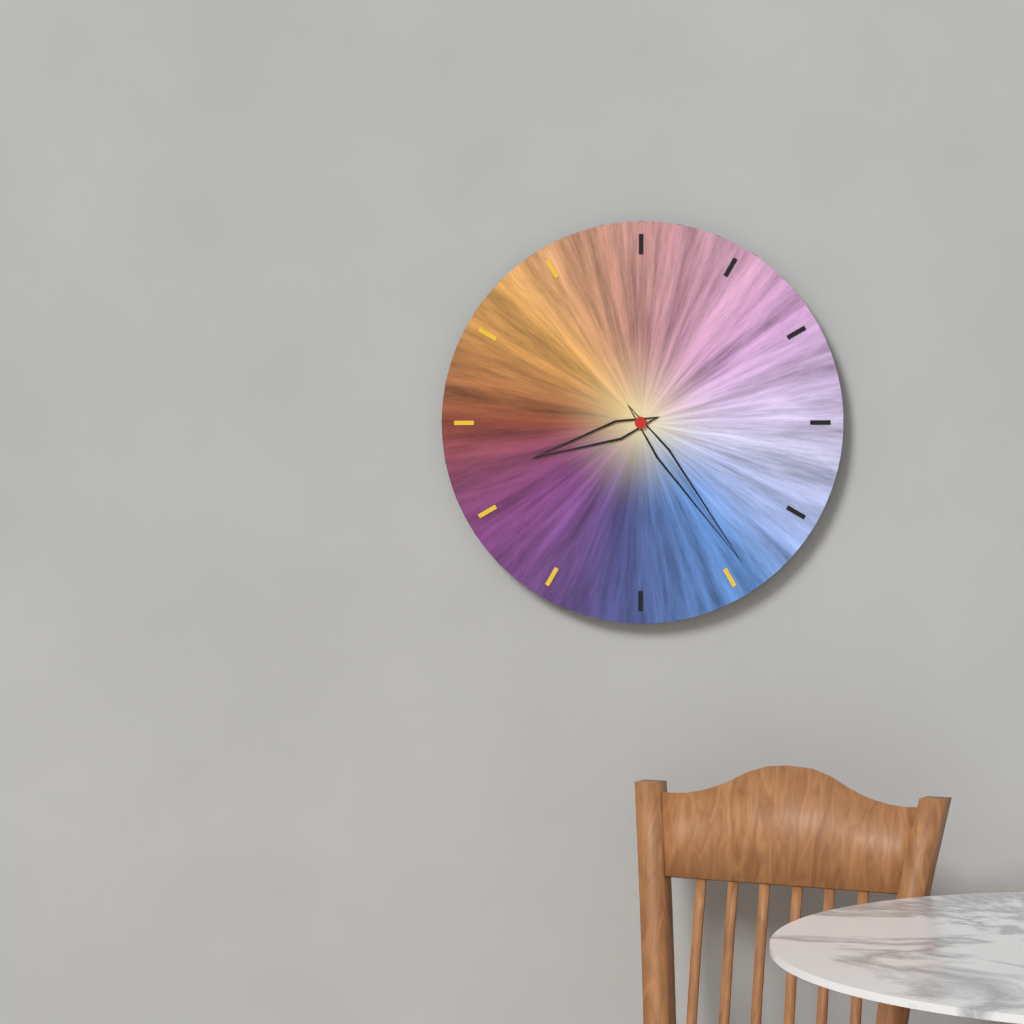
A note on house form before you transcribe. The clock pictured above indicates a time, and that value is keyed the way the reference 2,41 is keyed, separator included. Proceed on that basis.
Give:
8,24
